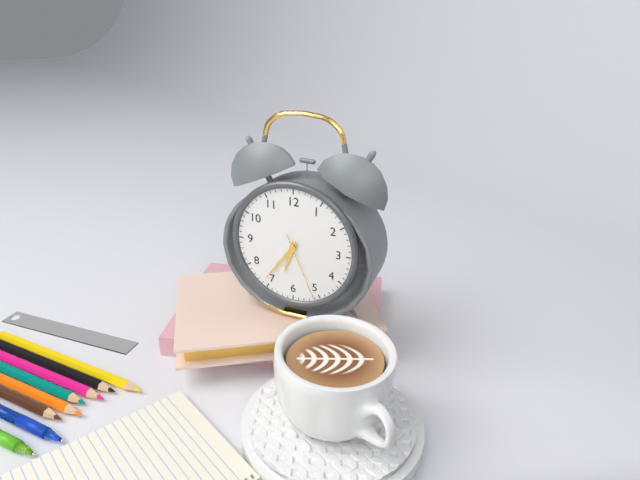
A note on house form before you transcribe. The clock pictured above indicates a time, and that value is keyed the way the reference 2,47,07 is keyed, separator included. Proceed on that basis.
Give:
6,36,26
